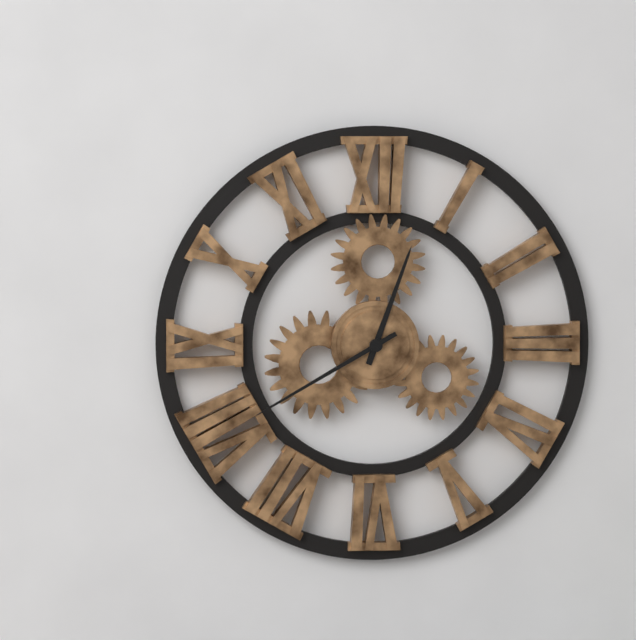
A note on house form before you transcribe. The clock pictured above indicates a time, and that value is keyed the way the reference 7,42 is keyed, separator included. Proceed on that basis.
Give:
12,40
